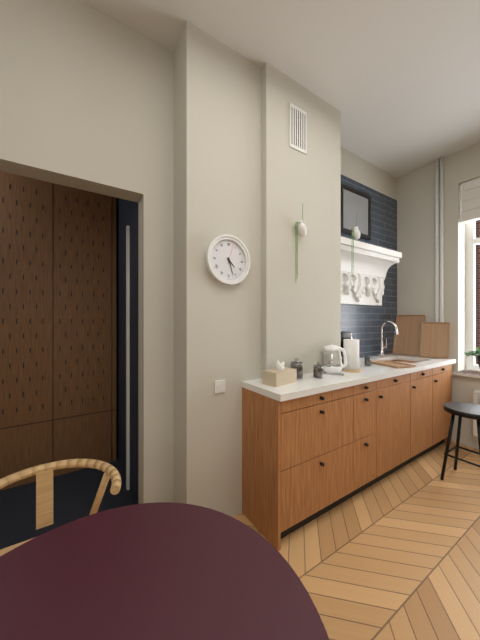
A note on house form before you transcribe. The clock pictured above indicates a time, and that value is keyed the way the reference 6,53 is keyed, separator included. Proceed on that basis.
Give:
4,27
